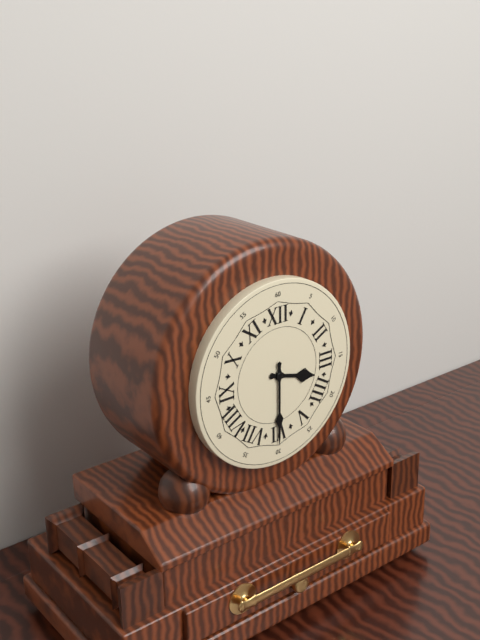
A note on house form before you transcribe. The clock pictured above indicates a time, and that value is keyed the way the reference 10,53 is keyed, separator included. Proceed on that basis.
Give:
3,30
